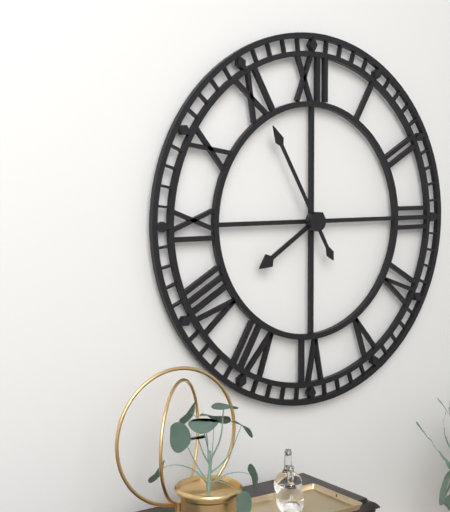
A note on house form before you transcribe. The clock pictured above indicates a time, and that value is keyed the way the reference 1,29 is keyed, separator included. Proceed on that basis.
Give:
7,55
